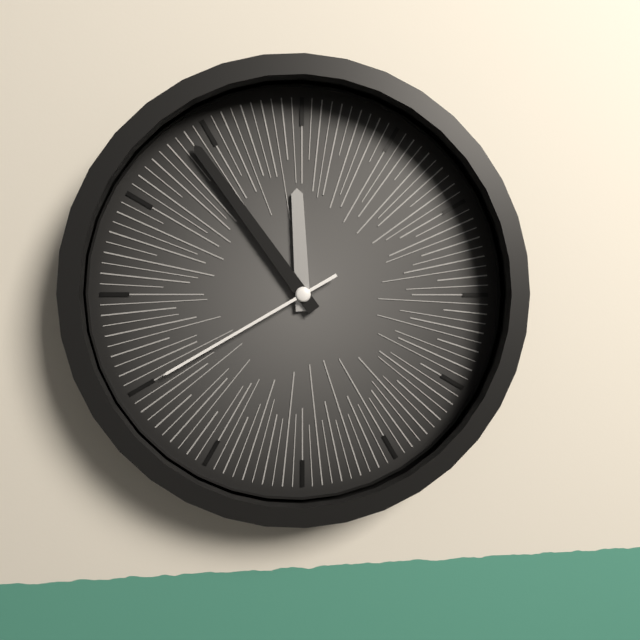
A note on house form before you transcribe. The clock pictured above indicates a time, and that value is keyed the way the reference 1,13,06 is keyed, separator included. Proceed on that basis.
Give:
11,54,40
